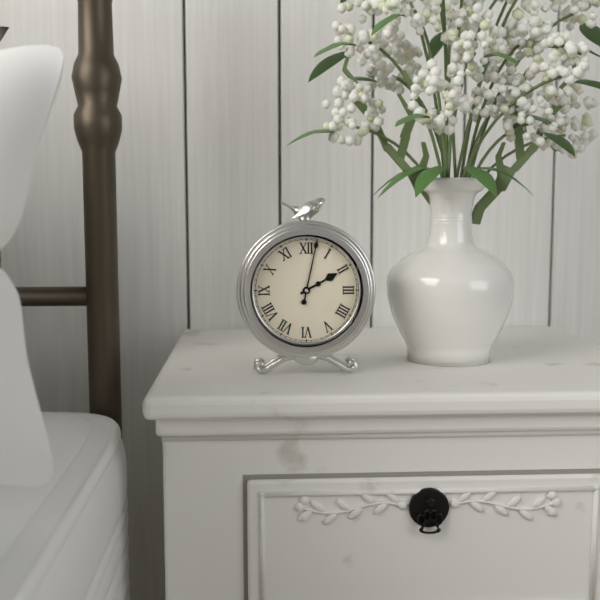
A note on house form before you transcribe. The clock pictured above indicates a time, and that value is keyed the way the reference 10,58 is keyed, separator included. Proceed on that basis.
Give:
2,02
